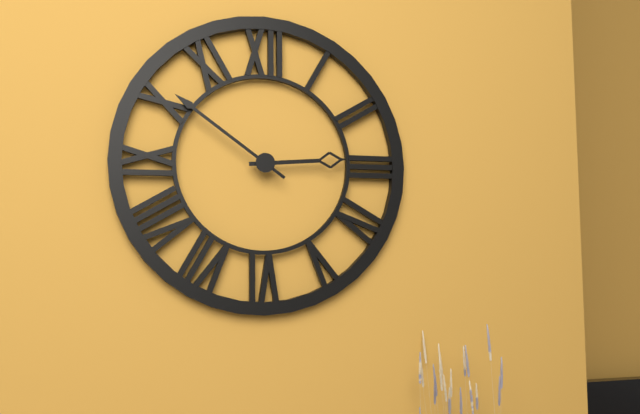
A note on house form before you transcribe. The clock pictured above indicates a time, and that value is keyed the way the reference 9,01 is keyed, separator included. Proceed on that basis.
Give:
2,51
